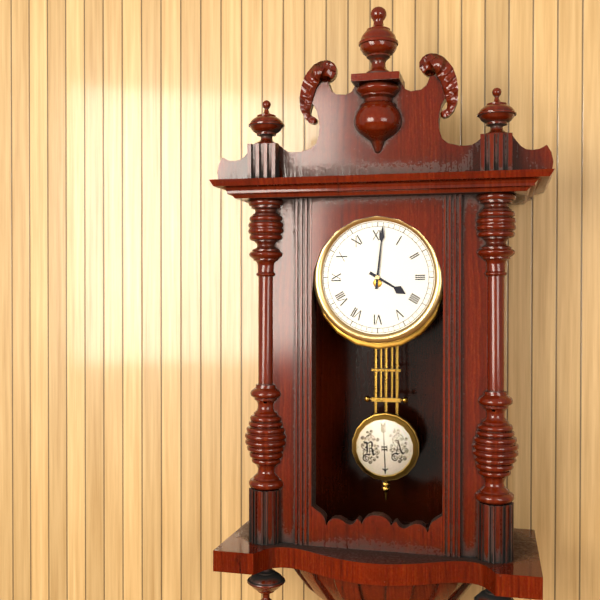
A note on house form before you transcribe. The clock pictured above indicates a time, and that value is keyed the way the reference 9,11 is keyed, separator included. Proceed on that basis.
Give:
4,01
